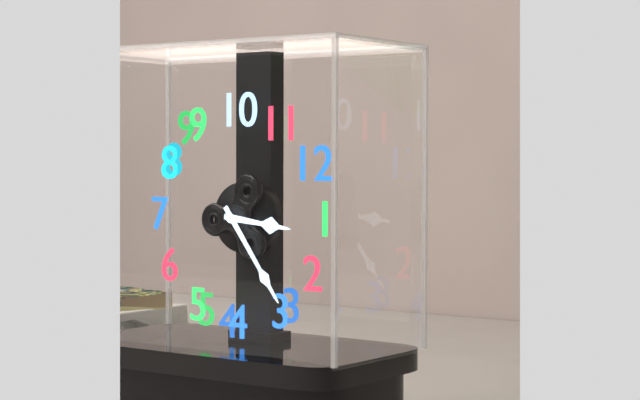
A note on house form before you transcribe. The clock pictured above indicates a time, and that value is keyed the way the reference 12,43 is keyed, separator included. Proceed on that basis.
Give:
1,14
